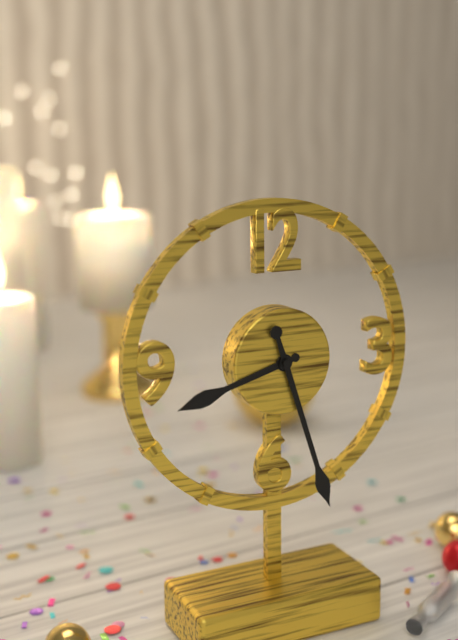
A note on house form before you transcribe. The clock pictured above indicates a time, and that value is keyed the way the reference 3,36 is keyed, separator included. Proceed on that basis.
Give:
8,27
